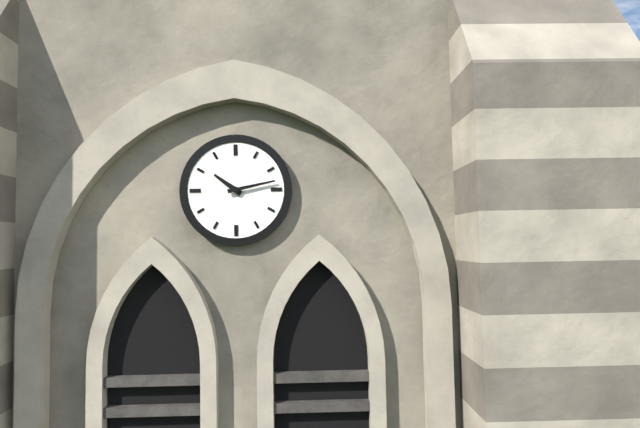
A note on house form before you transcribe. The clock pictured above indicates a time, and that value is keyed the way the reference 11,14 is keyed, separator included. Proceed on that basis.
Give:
10,13
